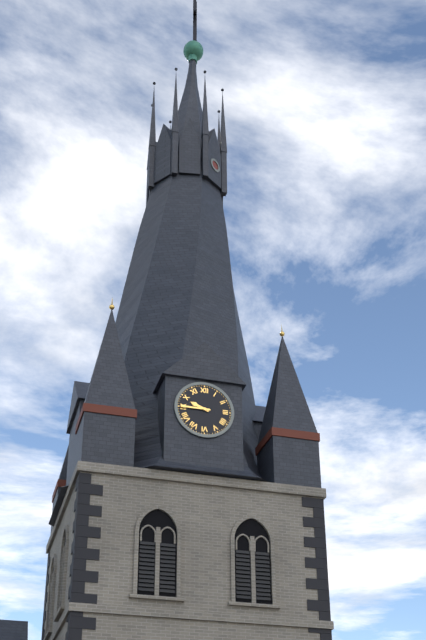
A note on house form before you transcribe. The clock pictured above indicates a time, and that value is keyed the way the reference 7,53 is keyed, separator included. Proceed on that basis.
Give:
9,45
